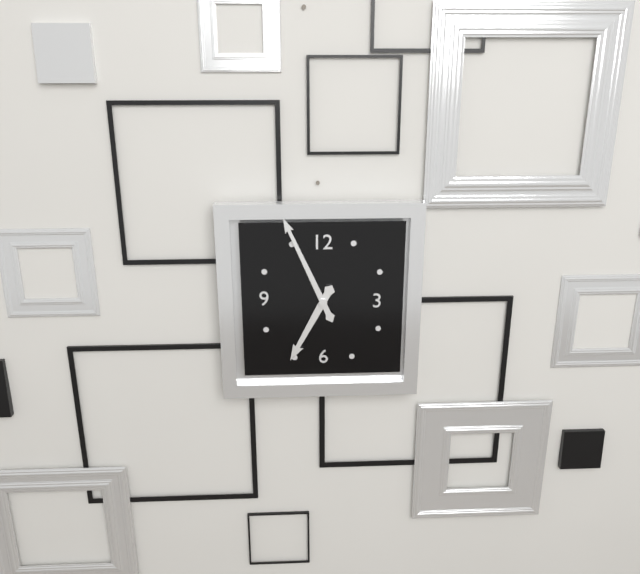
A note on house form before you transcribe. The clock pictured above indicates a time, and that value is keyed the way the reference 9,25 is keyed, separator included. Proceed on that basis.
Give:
6,56
